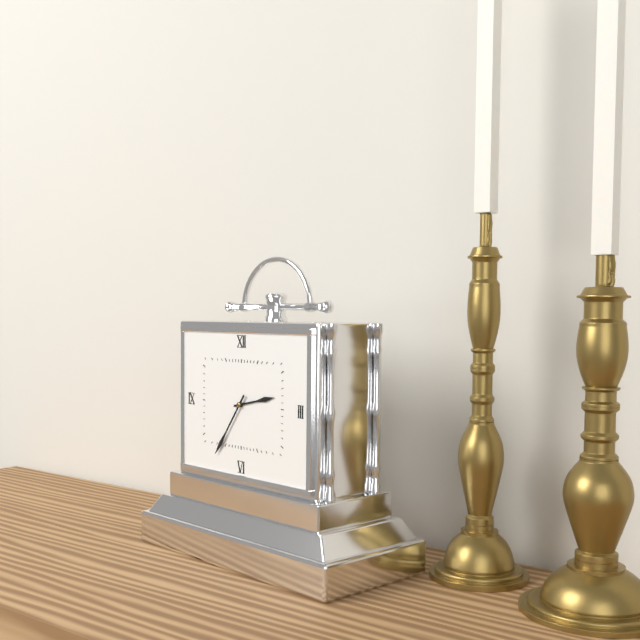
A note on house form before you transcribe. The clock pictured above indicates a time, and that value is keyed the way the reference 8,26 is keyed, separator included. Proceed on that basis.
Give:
2,36
